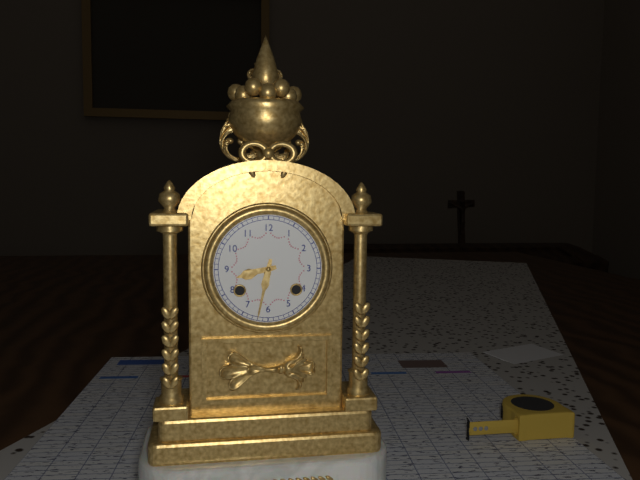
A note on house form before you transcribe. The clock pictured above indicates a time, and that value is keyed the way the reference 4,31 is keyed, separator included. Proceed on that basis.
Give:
8,32
